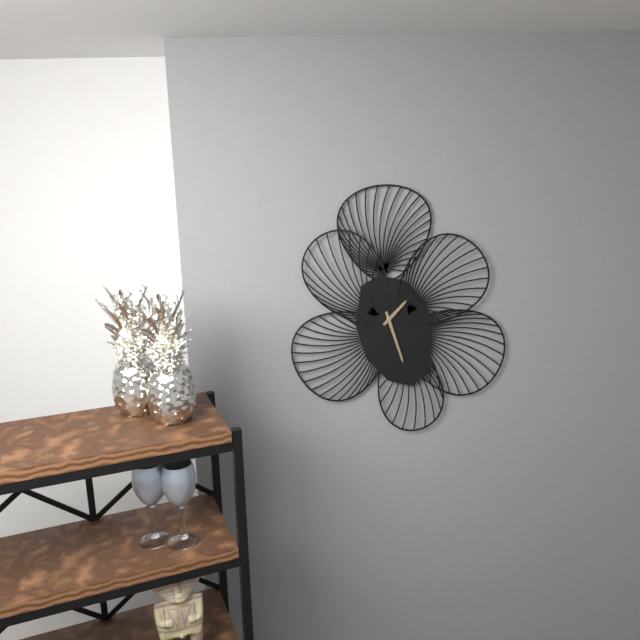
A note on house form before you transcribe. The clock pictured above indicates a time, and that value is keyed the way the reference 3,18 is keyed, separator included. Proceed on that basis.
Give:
1,27
